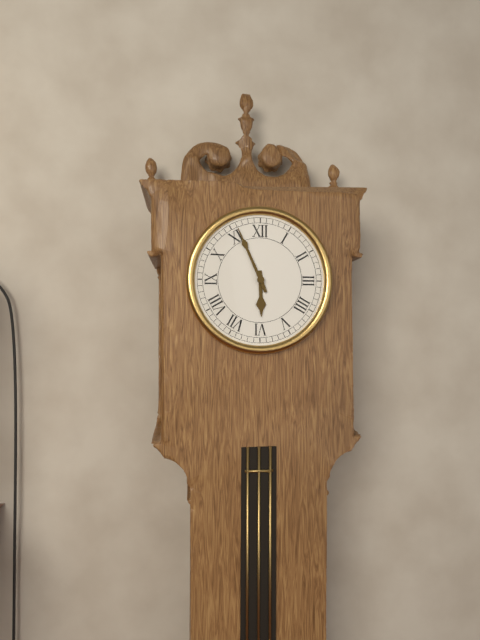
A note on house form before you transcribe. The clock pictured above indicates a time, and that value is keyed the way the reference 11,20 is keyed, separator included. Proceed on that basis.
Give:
5,56
